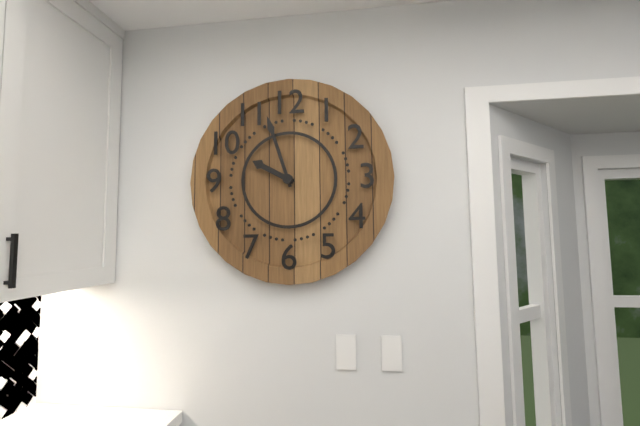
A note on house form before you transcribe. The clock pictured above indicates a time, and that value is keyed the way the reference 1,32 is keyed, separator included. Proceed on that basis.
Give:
9,57
